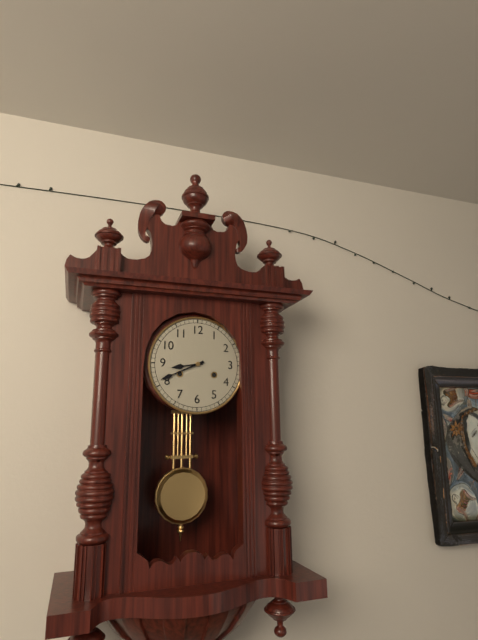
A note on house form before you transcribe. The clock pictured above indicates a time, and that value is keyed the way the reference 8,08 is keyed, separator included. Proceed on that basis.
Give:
8,41
